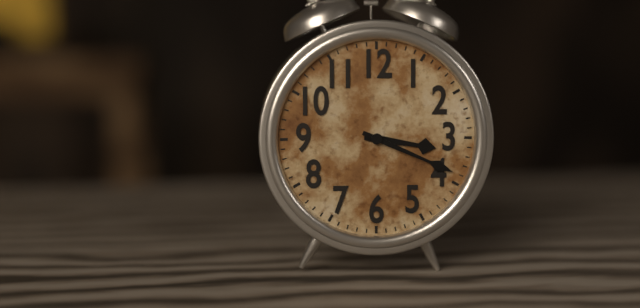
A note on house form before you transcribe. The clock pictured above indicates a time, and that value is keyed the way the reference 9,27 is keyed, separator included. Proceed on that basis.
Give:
3,19
